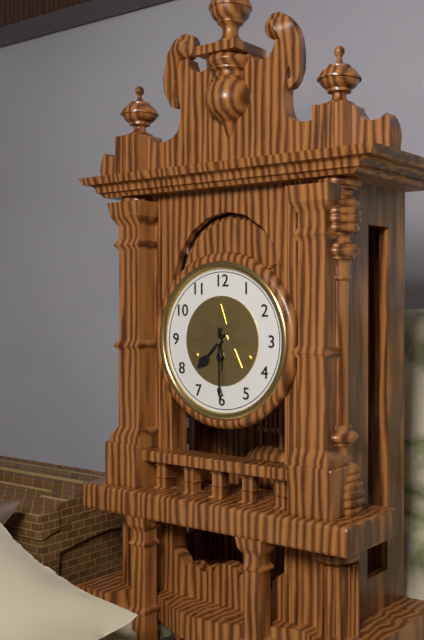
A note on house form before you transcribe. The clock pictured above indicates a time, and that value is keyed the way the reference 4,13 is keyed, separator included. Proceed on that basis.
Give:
7,30
